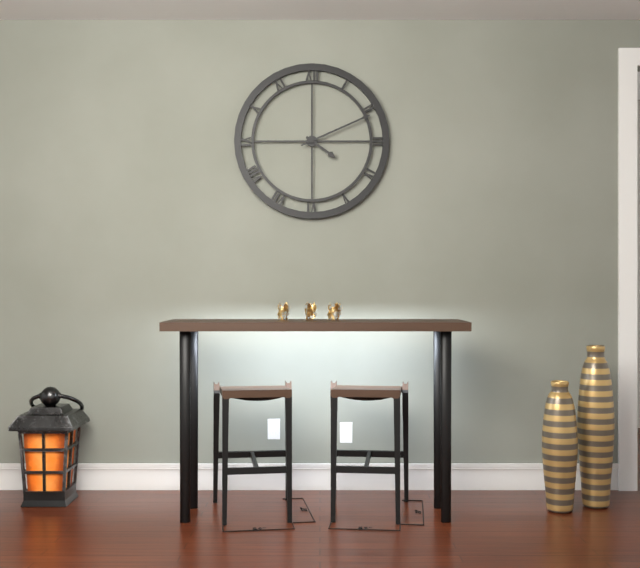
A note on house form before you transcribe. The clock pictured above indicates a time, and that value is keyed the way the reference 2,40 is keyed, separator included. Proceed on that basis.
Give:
4,11
